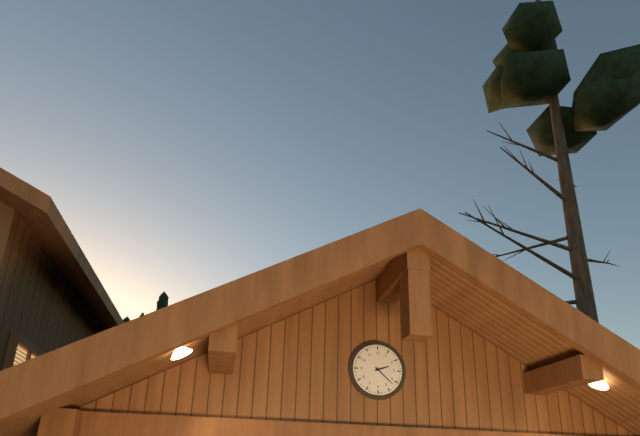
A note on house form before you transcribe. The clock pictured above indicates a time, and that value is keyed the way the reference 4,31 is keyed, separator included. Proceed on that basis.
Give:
2,22
